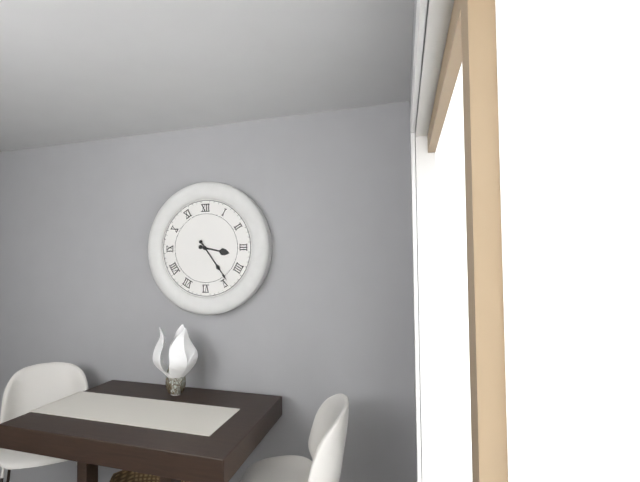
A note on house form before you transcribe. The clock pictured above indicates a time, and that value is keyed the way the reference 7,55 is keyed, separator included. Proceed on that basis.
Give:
3,24
